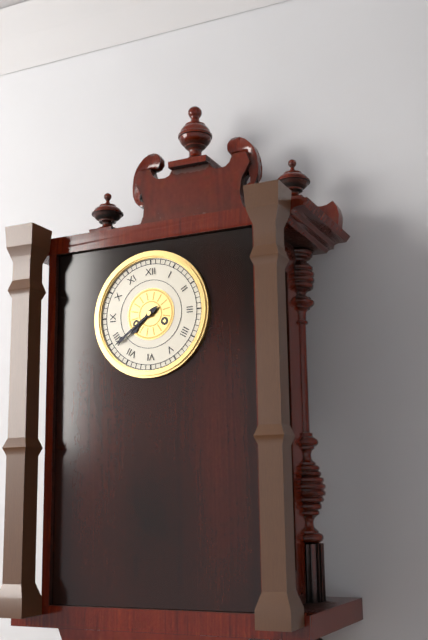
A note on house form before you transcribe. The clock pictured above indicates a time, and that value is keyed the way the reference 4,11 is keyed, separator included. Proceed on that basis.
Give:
7,39
